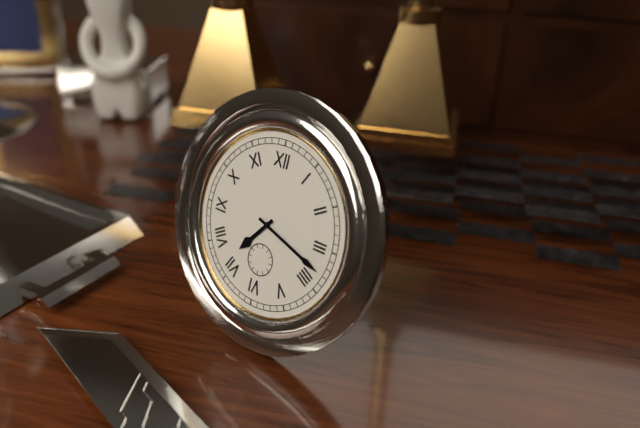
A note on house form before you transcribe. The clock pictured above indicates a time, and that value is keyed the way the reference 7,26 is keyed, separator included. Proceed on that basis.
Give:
7,18
